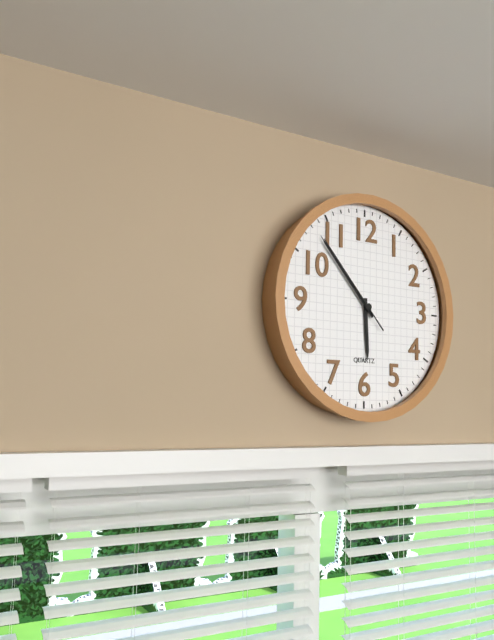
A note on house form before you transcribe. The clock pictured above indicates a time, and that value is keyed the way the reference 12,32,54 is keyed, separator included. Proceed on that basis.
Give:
5,53,53
